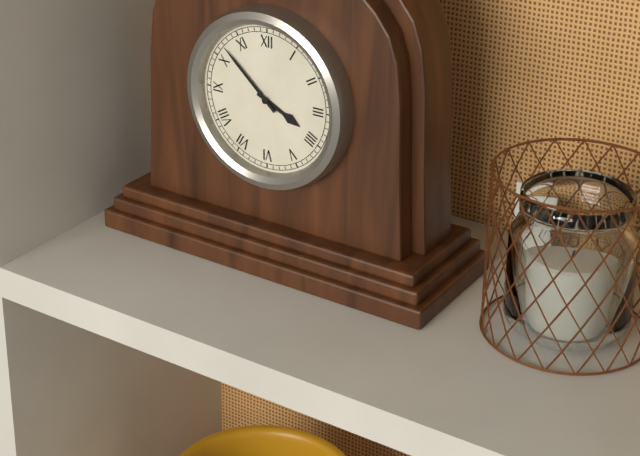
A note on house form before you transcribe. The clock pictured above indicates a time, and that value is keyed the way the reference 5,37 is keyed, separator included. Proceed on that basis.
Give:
3,52
